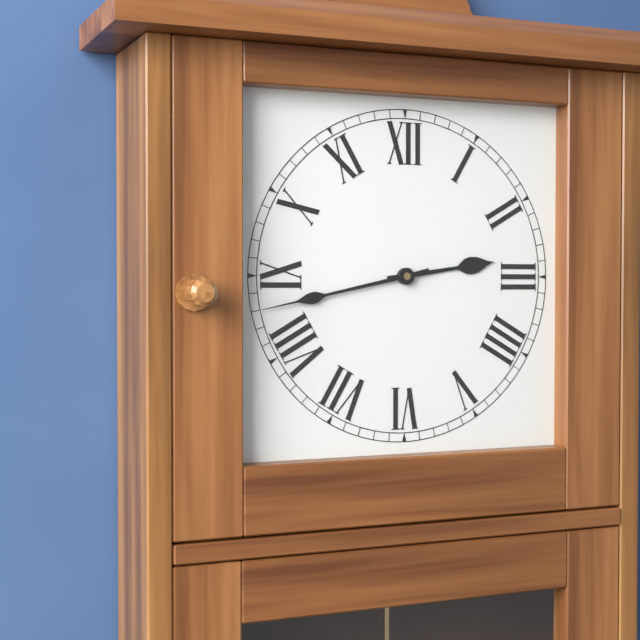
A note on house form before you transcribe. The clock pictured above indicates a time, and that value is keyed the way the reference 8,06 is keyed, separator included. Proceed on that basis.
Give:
2,43
